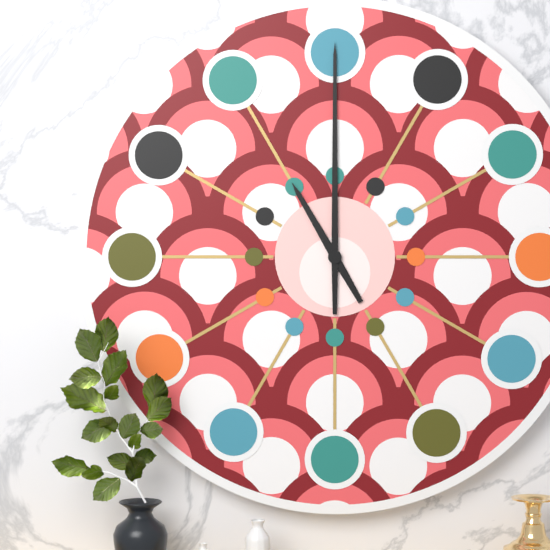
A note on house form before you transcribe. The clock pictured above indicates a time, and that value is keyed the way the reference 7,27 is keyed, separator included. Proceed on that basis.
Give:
11,00
